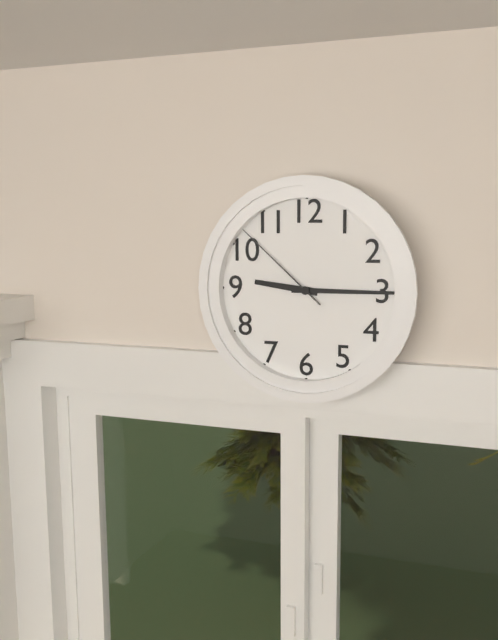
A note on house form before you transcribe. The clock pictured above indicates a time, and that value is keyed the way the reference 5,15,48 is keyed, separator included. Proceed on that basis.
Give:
9,15,52
